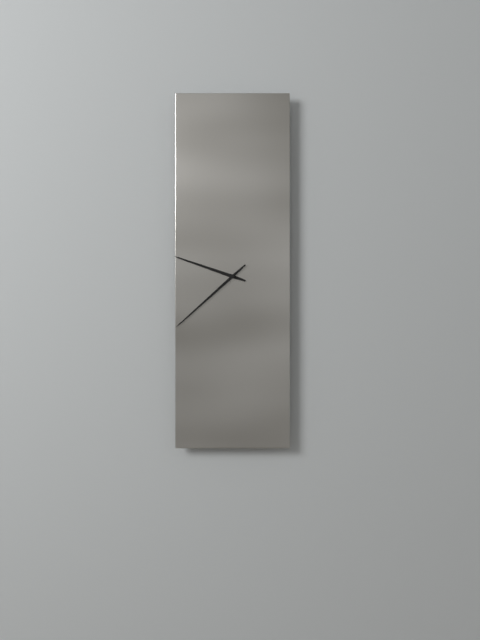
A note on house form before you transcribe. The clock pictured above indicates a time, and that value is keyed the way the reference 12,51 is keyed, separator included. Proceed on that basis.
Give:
9,38
